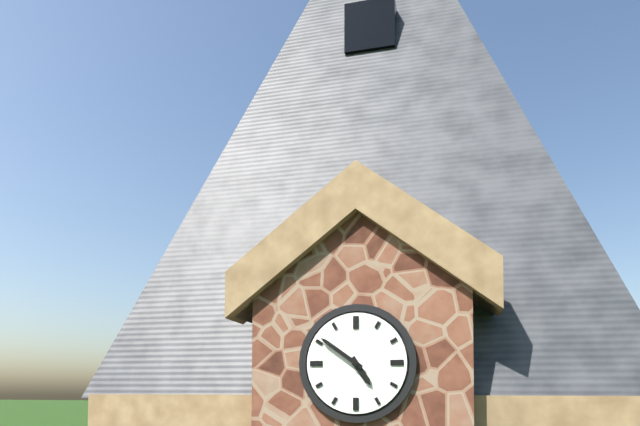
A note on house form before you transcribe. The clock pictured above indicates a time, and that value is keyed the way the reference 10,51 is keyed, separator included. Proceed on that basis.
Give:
4,51
